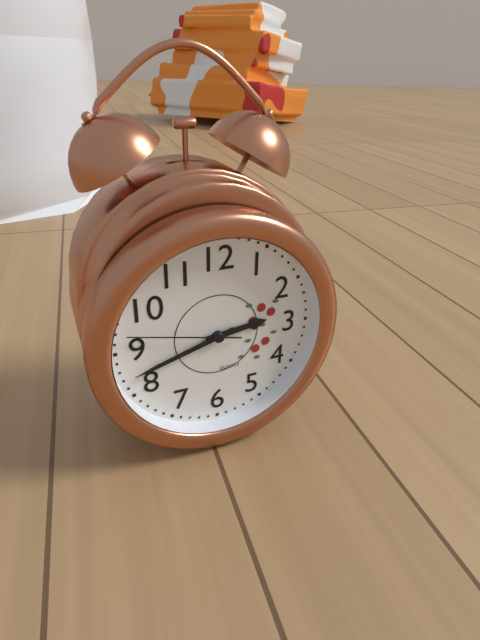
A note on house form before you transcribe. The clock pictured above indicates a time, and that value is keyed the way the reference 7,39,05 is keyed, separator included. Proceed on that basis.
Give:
2,42,47
